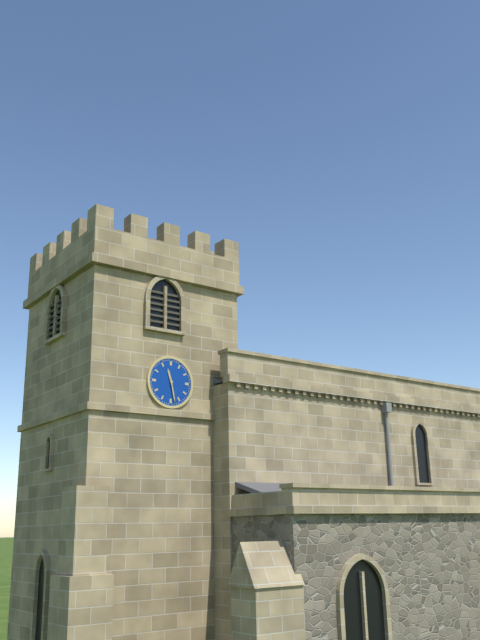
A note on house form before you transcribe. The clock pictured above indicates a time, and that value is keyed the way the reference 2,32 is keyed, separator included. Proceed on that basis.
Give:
11,28
